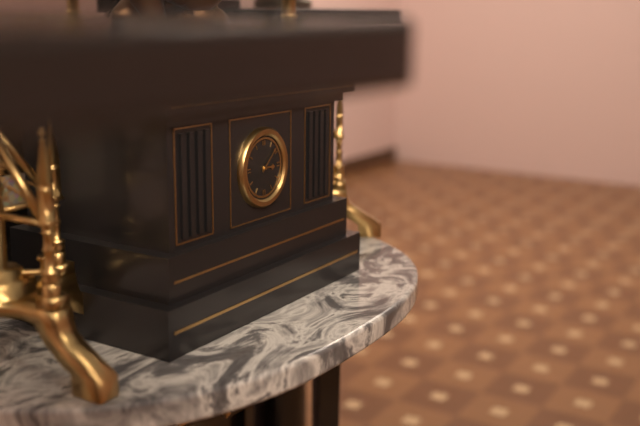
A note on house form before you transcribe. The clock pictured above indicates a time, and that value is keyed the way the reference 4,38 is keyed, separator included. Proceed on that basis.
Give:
3,08
